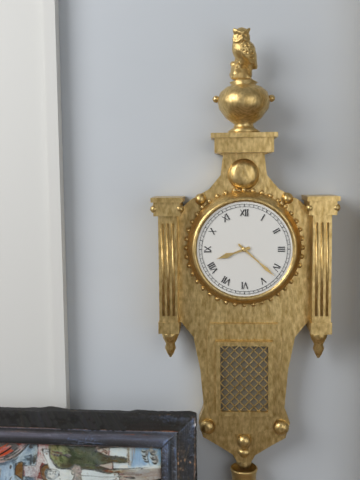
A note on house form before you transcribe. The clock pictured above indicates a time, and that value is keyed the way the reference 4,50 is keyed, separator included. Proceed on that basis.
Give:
8,22
